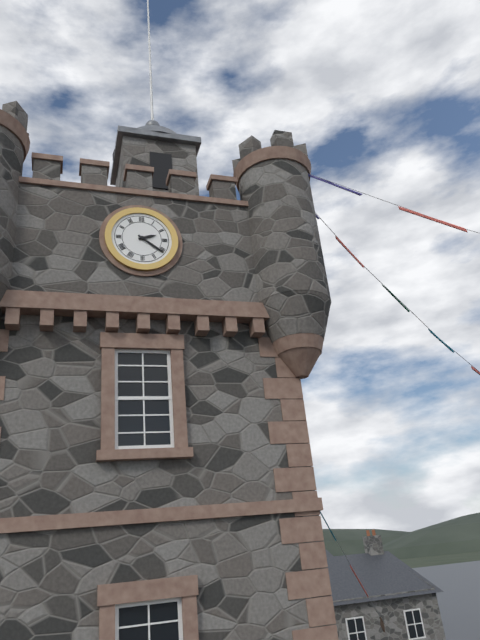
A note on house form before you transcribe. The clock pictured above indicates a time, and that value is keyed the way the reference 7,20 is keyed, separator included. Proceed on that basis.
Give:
2,21
